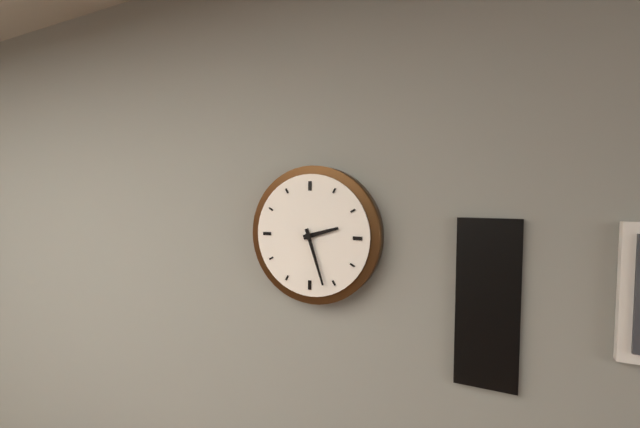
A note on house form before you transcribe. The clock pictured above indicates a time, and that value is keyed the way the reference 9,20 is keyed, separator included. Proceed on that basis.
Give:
2,27
